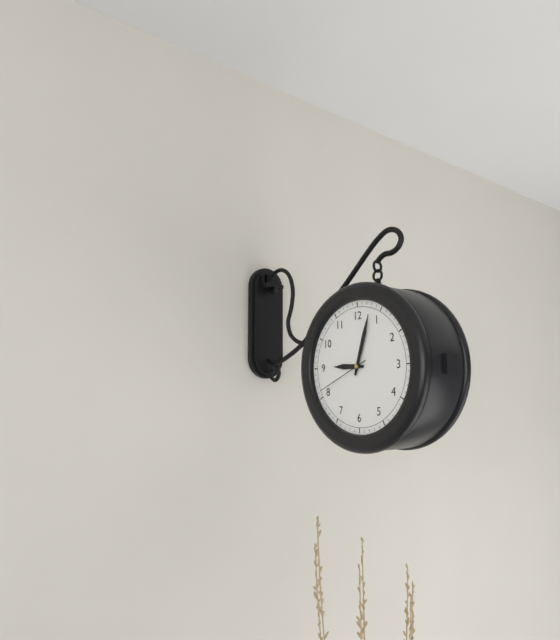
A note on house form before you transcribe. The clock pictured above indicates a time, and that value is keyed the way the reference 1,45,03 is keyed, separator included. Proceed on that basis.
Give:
9,03,41
